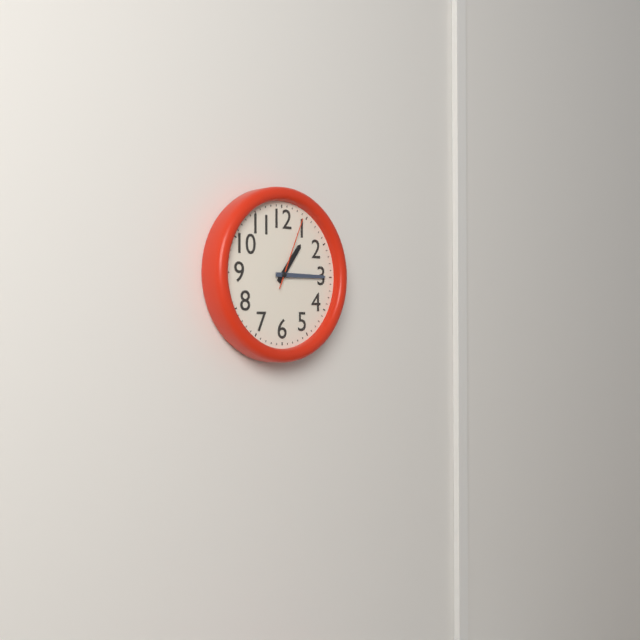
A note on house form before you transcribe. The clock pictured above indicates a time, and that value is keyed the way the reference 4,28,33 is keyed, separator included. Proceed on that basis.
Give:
1,15,04
